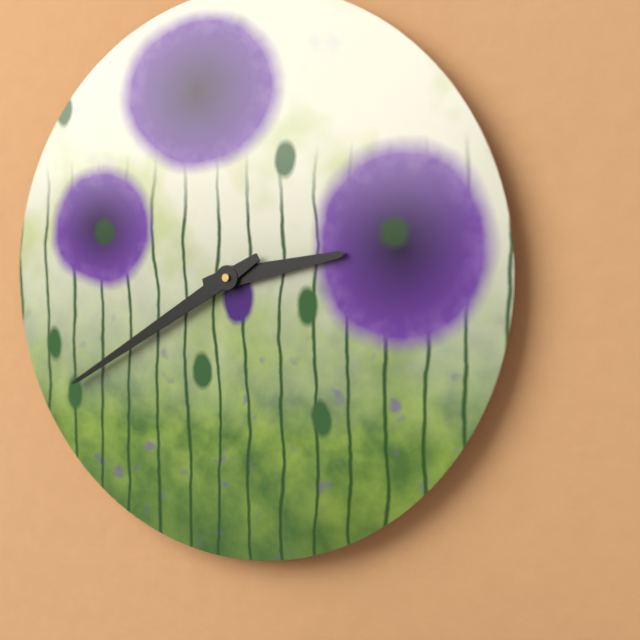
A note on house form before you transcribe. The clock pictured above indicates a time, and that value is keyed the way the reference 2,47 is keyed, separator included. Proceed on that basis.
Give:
2,40
